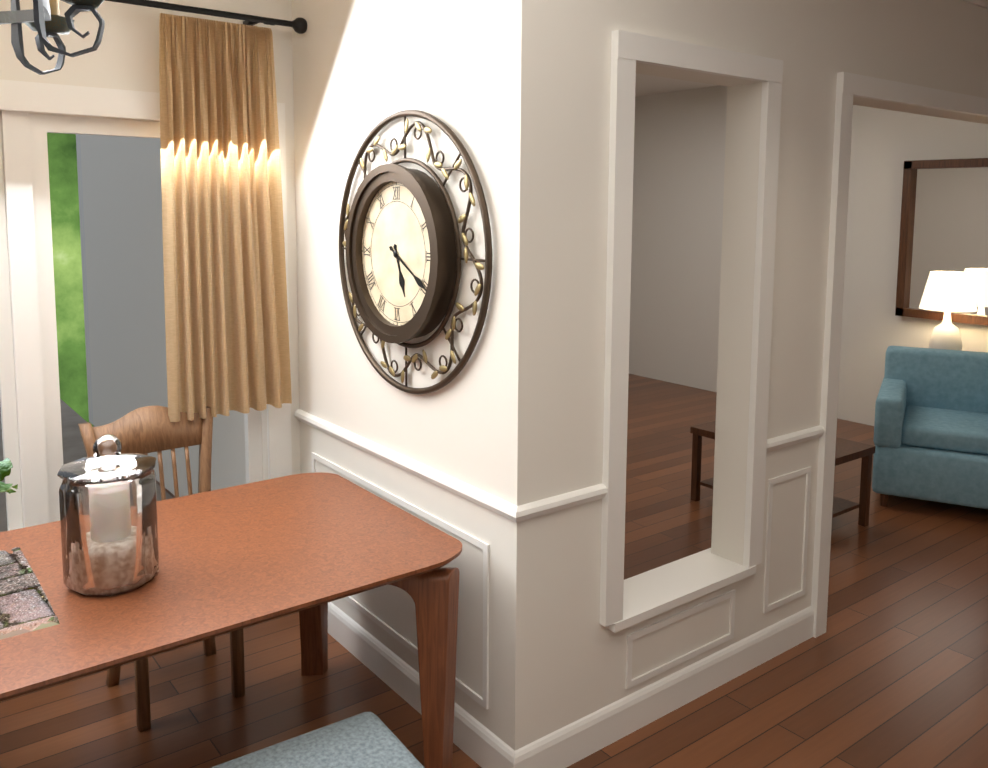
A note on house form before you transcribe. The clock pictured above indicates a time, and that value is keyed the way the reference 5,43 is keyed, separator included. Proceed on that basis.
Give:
5,20
